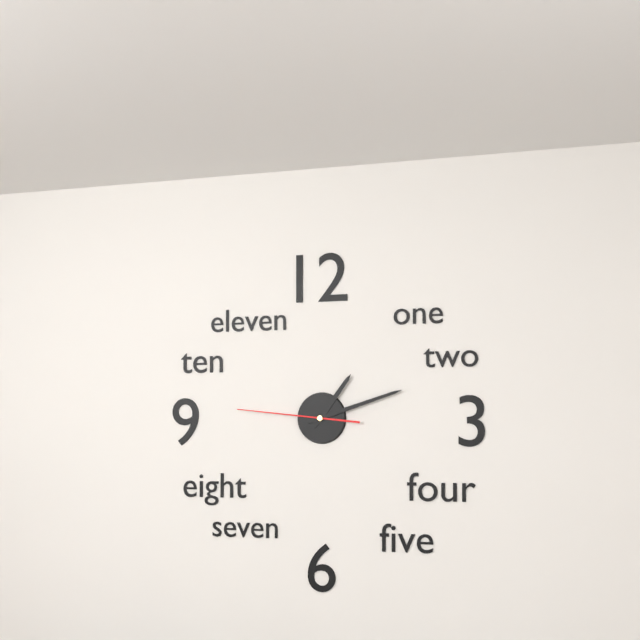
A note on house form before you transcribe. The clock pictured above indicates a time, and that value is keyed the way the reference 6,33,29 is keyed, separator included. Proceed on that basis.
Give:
1,12,46
